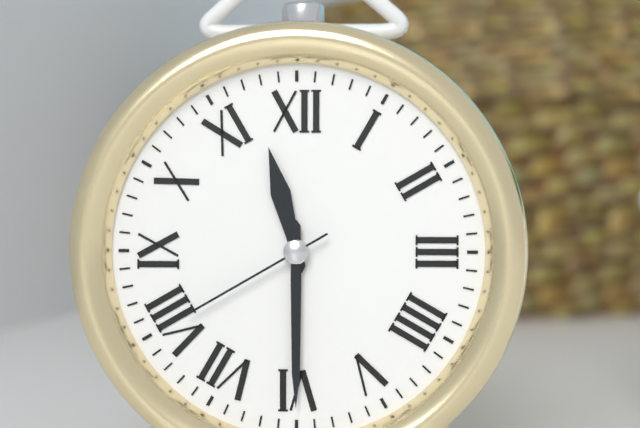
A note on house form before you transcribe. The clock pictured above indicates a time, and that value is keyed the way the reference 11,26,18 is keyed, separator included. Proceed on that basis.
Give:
11,30,40
